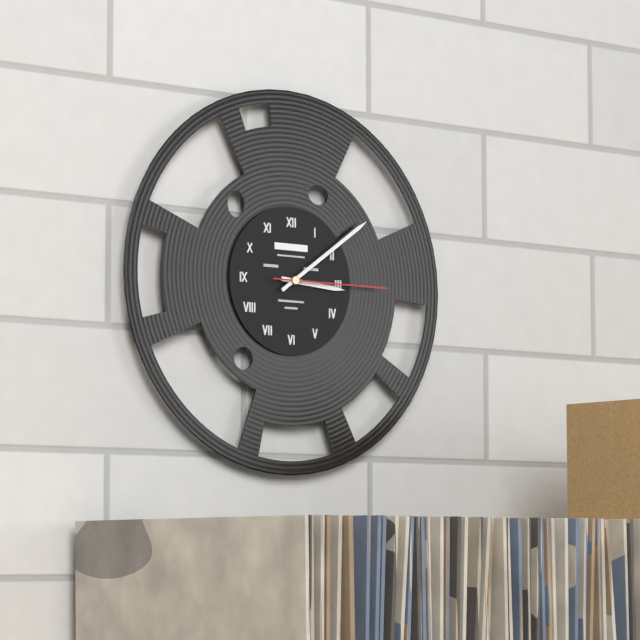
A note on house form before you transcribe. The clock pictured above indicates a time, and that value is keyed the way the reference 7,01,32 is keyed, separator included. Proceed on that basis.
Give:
3,09,15
